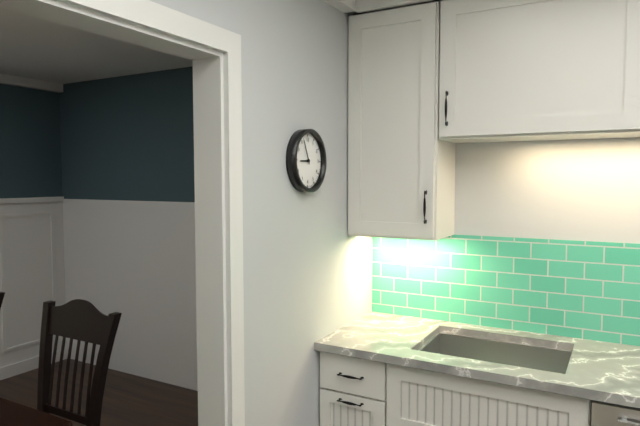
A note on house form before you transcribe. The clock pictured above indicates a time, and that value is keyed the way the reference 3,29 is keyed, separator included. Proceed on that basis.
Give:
8,56
